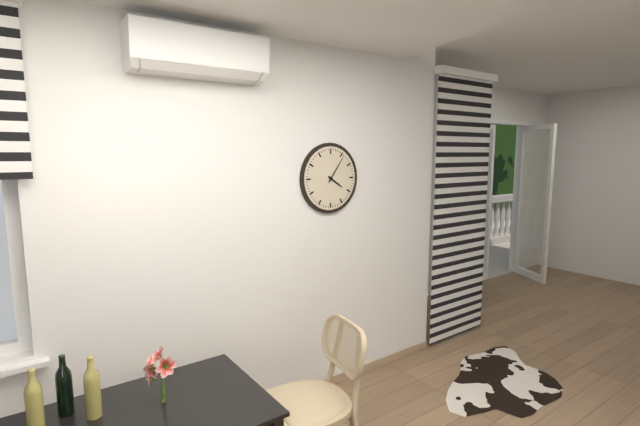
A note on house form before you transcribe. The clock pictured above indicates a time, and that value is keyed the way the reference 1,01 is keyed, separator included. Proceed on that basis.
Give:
4,06
